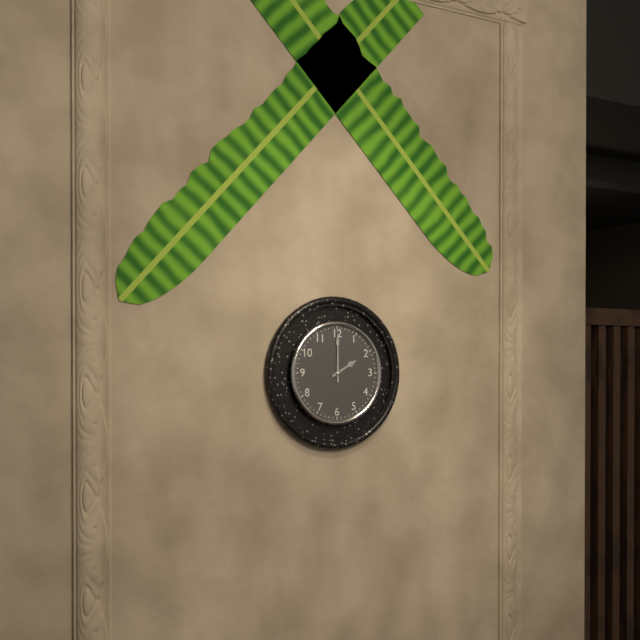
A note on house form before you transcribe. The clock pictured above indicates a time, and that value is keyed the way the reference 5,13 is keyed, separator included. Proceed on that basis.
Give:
2,00
